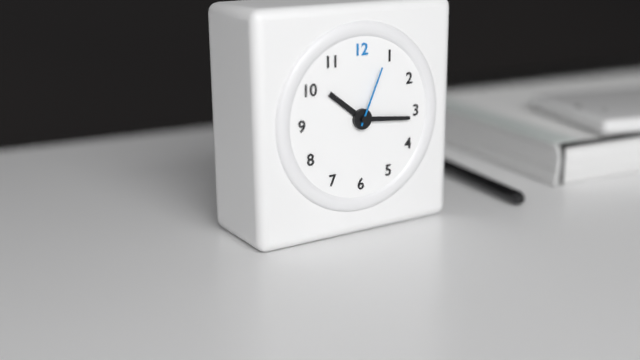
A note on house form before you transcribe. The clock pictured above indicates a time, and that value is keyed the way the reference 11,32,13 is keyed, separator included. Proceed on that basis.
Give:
10,16,04
